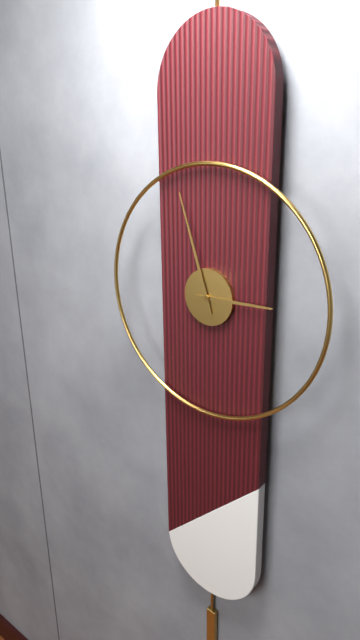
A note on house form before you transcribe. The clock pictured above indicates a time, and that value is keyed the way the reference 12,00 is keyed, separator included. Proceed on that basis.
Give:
2,57
